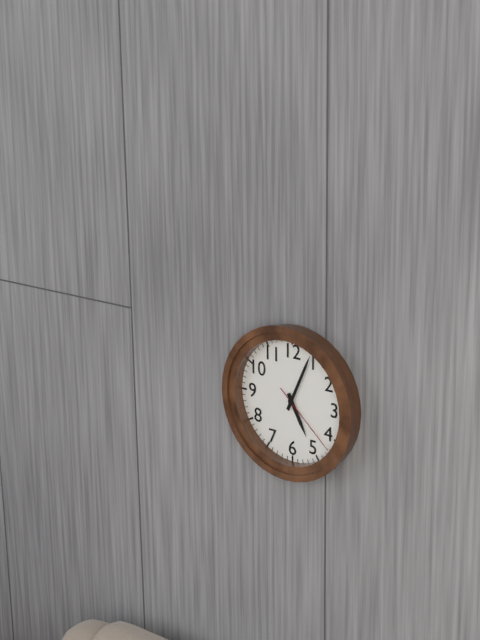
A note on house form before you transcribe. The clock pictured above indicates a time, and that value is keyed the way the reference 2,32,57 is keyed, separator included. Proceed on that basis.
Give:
5,04,22
